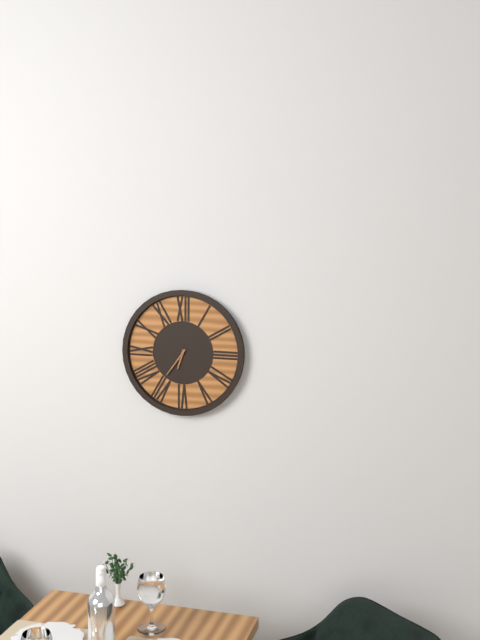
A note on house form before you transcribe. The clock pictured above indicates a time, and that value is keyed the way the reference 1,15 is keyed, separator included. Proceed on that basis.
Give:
6,36
